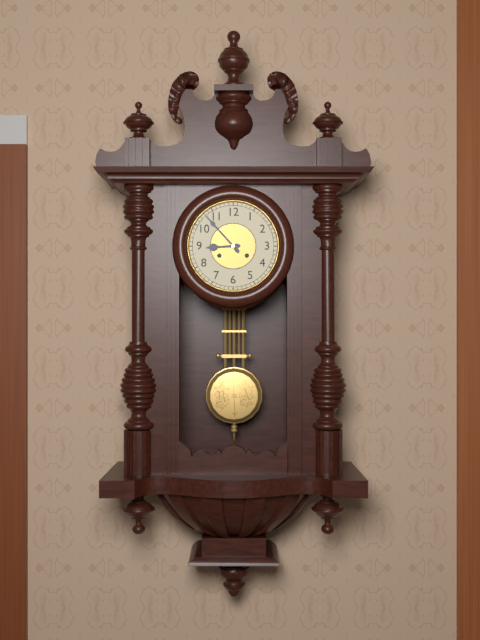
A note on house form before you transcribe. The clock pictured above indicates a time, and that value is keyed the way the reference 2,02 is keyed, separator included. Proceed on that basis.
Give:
8,53
